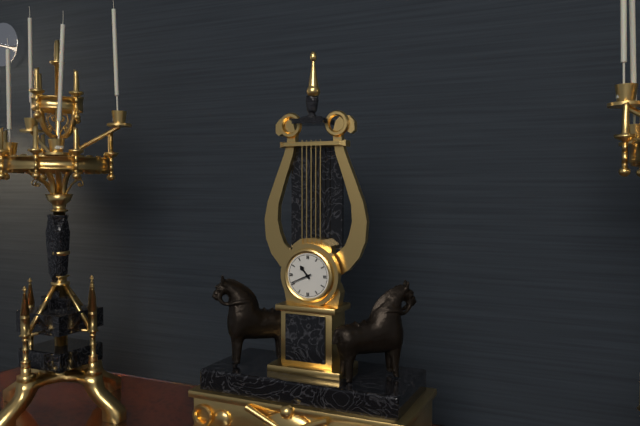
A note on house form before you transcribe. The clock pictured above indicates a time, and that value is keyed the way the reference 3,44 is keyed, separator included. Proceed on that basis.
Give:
10,41
